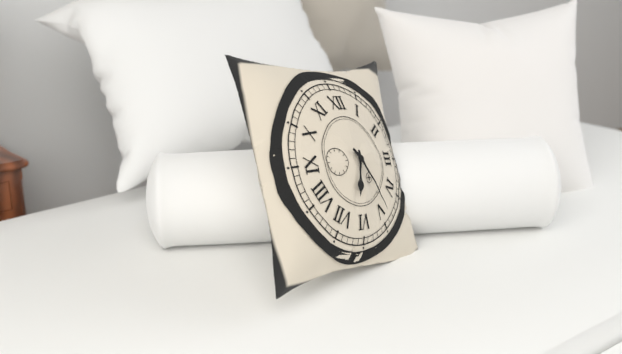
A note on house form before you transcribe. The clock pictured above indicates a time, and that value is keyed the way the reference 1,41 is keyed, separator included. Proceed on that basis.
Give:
6,24
